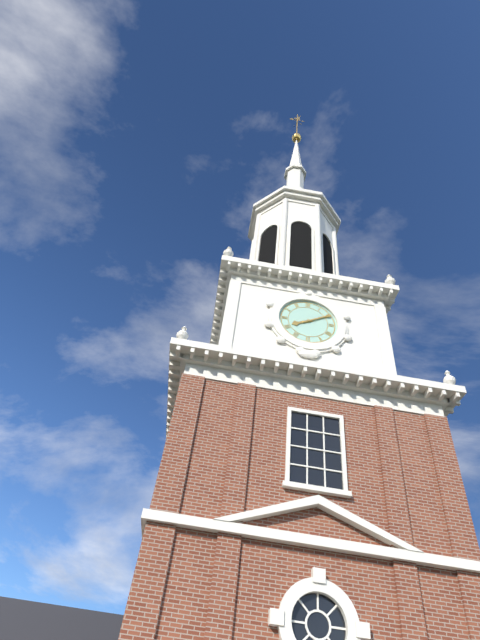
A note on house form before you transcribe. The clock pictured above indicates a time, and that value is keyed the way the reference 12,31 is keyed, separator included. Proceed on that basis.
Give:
8,10
